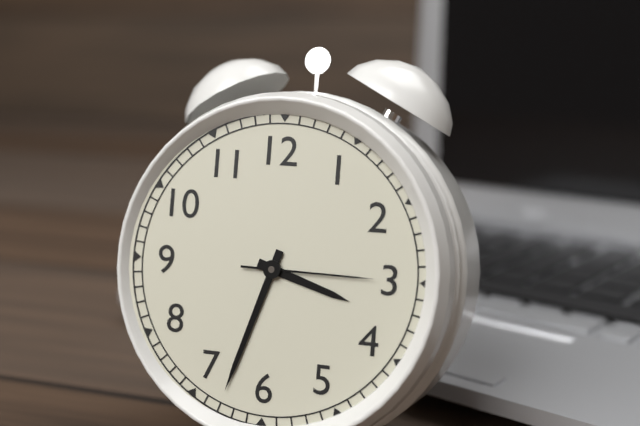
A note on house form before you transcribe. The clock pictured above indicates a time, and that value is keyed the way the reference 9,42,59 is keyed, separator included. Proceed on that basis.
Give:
3,33,15
